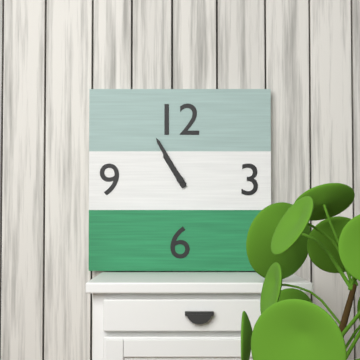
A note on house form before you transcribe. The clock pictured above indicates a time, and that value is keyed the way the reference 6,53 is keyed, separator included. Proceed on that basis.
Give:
10,55
